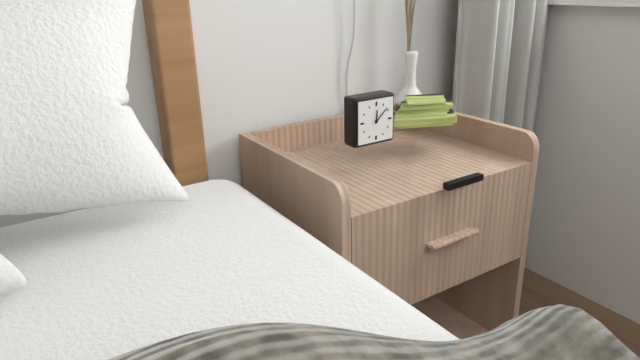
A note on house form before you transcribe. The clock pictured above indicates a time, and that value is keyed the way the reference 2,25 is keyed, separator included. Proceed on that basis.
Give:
12,08
